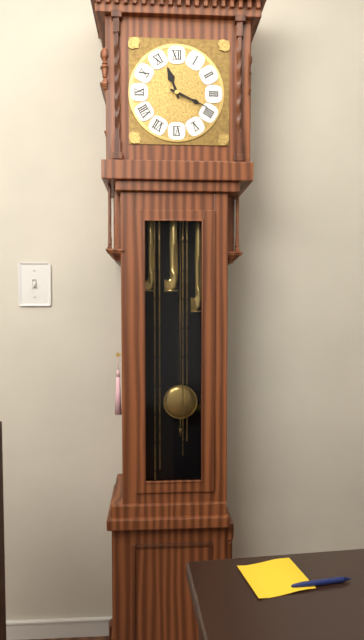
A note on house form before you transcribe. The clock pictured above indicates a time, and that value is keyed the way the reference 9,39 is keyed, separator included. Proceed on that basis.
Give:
11,19
